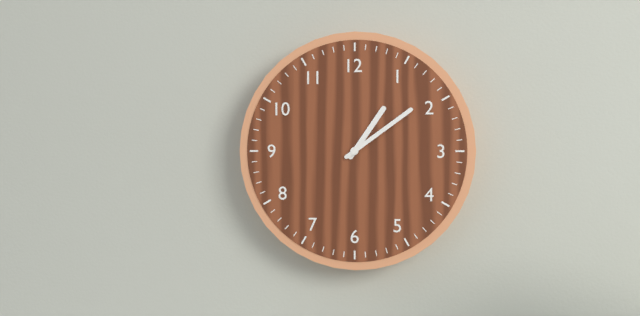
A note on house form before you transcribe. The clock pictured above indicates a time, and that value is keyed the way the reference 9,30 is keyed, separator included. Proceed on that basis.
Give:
1,09
